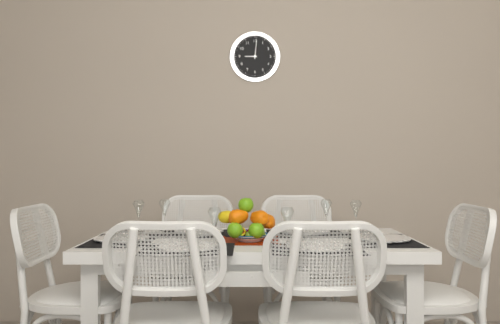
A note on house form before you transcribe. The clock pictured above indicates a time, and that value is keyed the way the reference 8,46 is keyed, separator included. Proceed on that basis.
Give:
9,01
